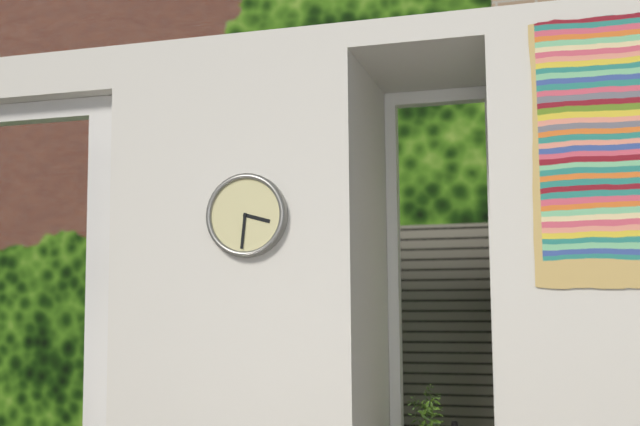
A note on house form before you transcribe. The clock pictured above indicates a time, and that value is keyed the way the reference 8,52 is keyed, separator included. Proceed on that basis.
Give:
3,31
